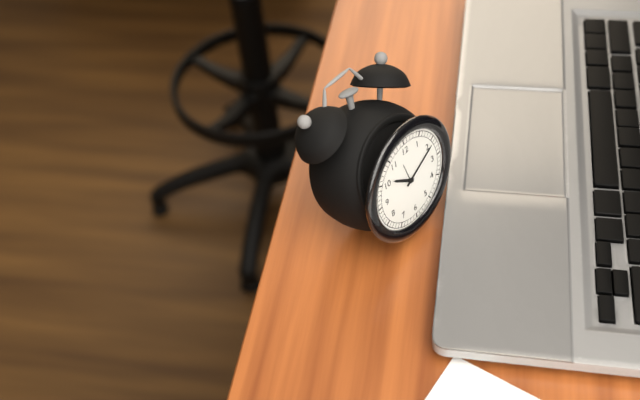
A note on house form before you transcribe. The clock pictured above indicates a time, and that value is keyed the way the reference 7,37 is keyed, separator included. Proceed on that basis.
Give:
10,11
